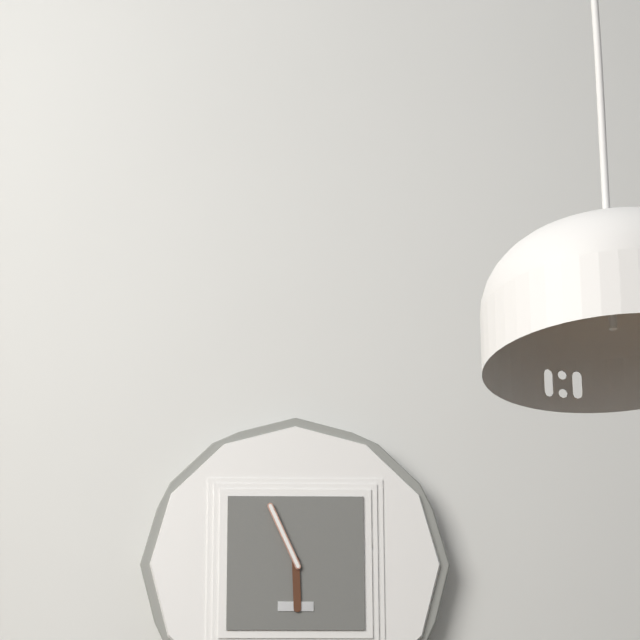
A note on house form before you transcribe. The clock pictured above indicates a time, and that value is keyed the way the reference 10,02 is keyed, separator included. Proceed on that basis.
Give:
5,56
